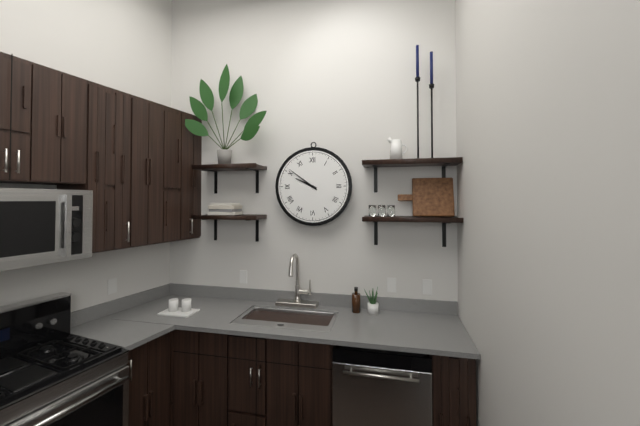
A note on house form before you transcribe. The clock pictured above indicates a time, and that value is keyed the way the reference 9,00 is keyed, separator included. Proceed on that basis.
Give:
9,51
